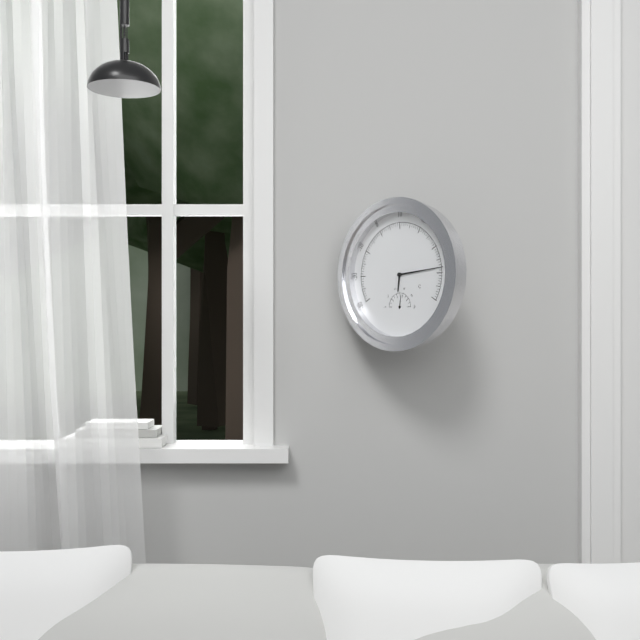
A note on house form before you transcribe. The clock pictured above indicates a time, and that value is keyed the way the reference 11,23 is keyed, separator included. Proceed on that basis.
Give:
6,14
